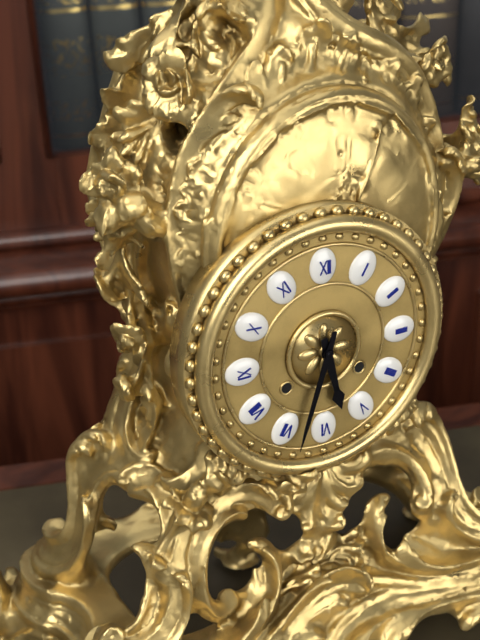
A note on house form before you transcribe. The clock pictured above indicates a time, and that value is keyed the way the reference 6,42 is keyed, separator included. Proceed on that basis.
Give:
5,33
